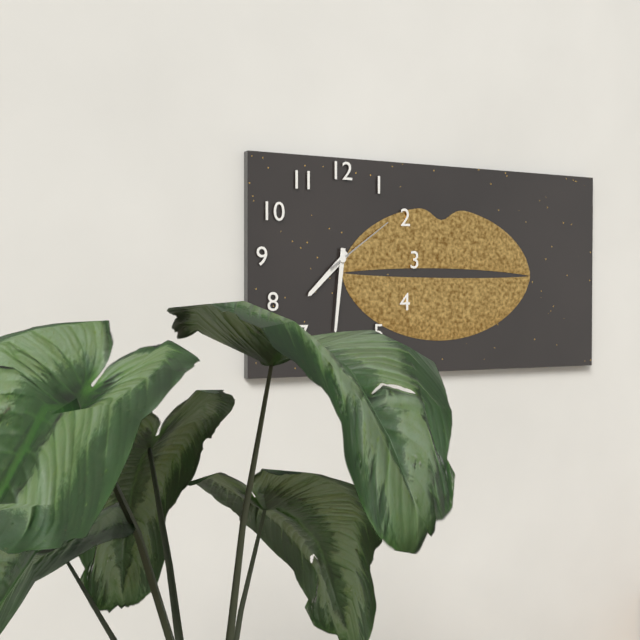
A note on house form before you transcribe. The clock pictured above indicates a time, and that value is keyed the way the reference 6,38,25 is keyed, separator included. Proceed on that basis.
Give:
7,31,09
